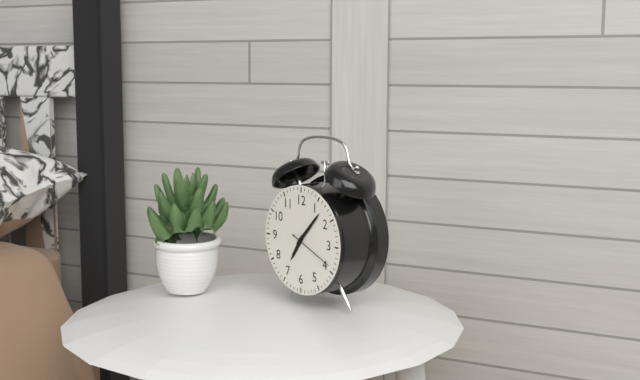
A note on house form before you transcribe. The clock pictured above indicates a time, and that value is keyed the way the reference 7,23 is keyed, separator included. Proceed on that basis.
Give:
7,07
